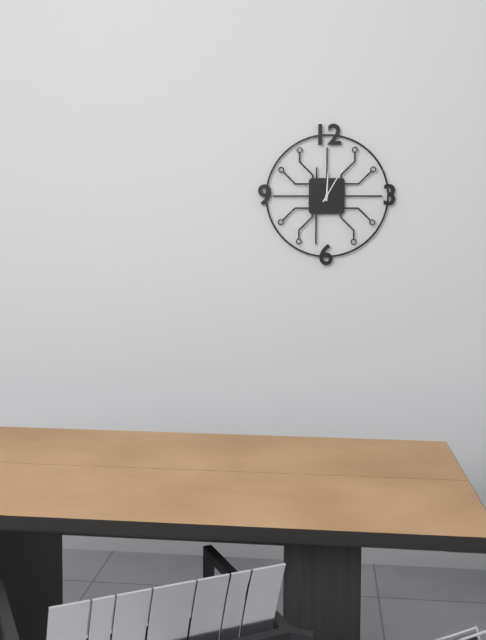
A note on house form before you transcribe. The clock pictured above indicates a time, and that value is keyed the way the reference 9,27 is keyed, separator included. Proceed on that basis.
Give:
12,05
